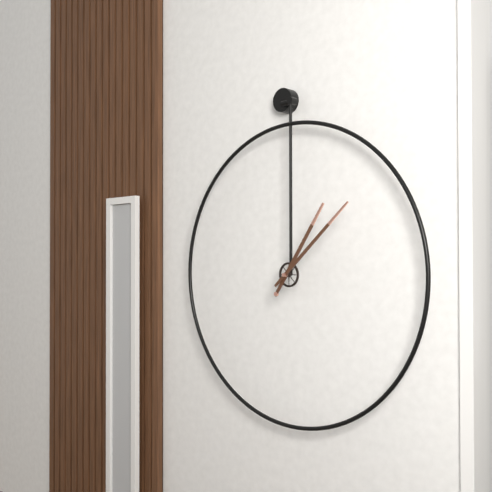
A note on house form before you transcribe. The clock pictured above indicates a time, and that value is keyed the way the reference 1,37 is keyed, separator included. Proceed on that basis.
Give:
1,08
